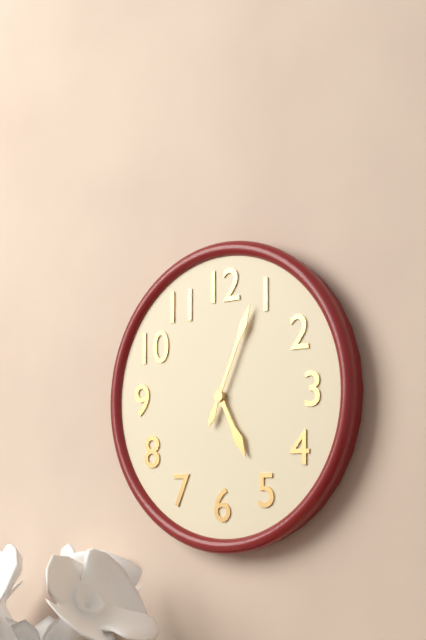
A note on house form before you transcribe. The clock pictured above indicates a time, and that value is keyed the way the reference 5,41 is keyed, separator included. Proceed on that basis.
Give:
5,04
